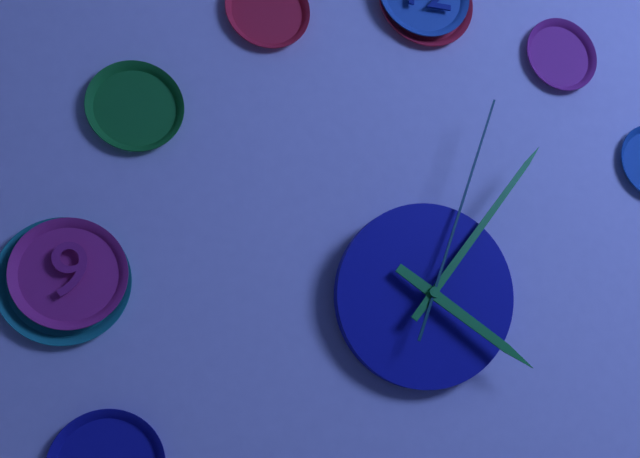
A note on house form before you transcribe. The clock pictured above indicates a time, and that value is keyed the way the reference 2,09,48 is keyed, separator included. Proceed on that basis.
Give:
4,06,03
